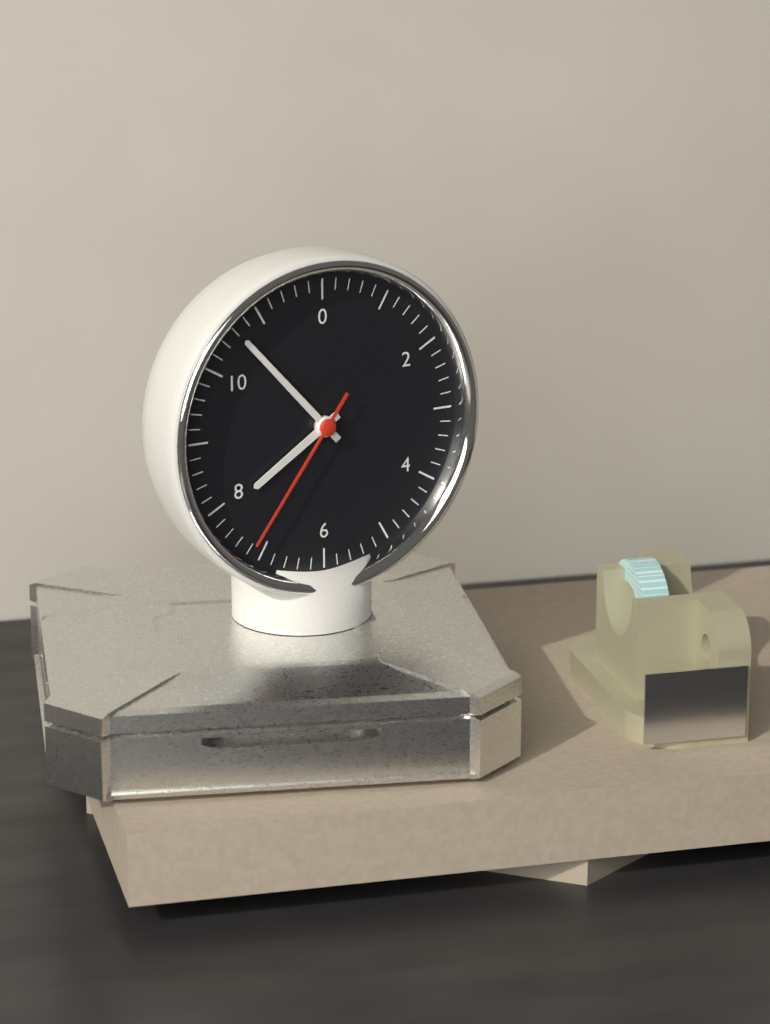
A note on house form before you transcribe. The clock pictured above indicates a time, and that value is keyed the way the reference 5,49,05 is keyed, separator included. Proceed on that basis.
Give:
7,53,36
